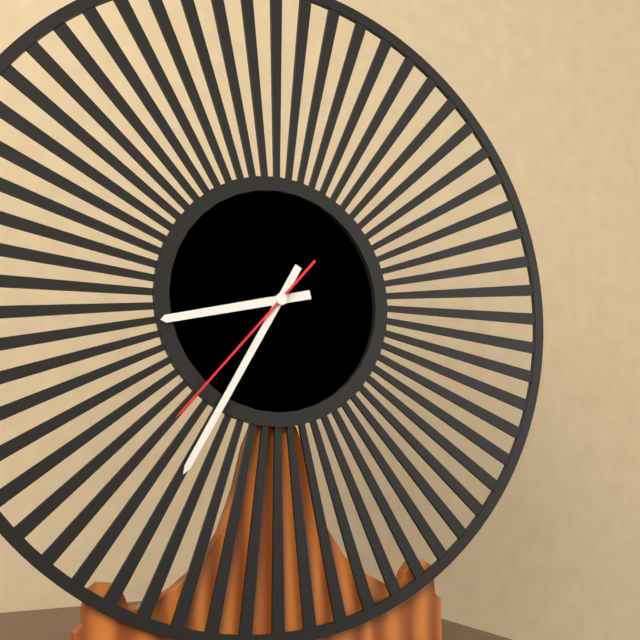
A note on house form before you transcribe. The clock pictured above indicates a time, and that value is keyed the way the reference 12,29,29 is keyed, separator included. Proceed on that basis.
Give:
8,35,37
